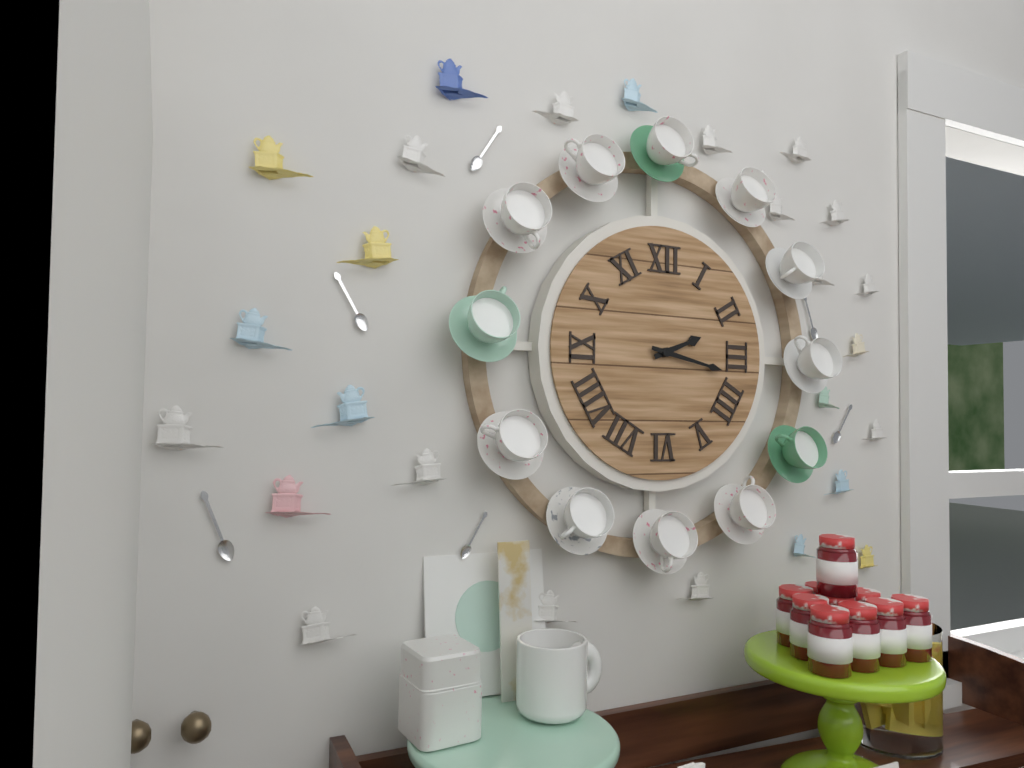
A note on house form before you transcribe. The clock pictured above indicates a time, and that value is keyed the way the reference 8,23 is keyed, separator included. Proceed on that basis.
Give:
2,17
